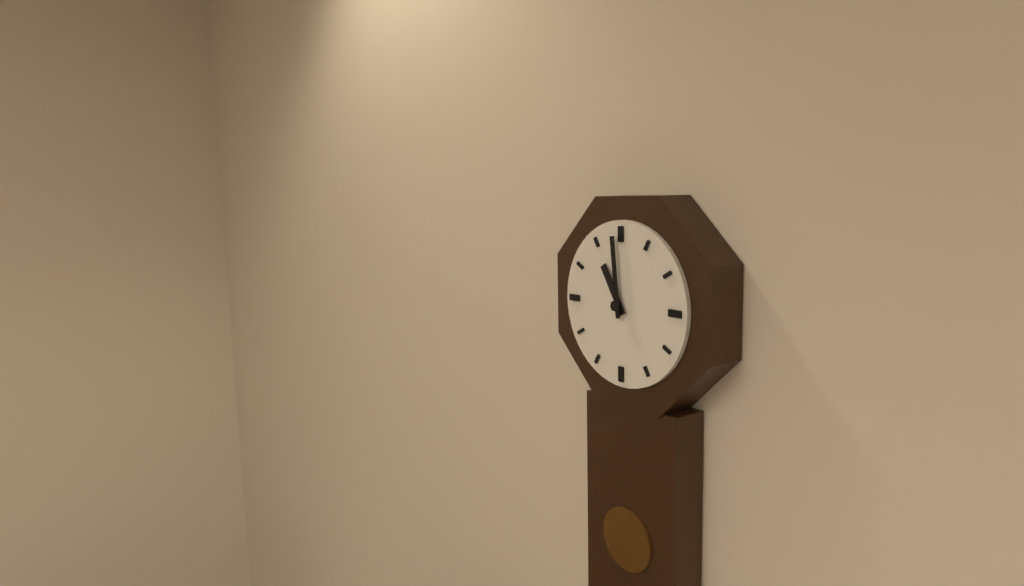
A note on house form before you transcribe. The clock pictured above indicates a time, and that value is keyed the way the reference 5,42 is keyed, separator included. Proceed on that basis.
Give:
10,59
